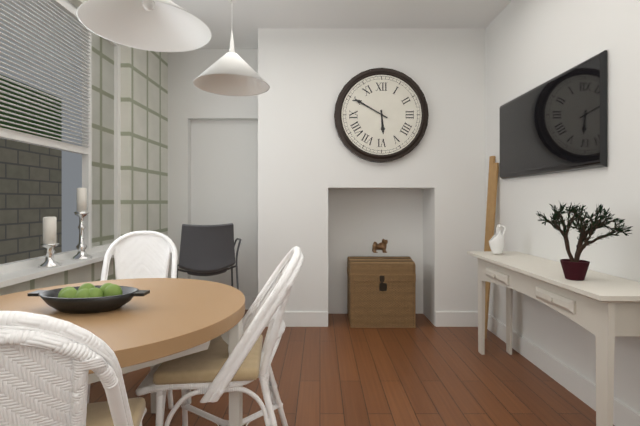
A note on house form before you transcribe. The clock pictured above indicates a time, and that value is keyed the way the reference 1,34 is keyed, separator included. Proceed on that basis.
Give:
5,50
